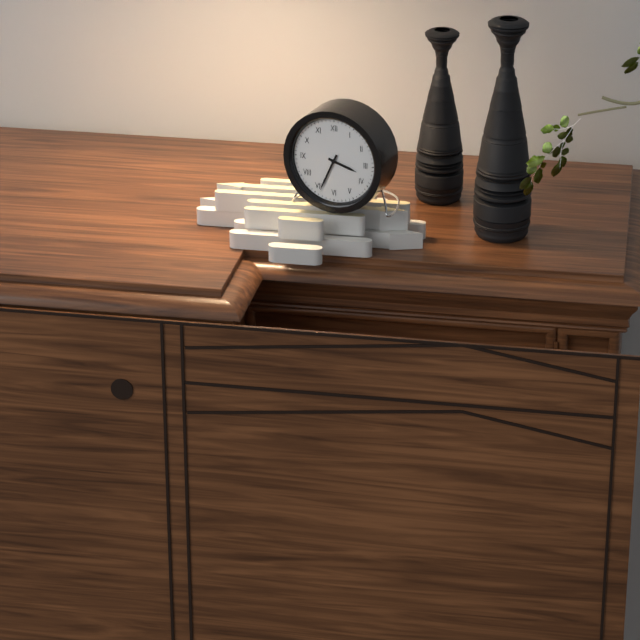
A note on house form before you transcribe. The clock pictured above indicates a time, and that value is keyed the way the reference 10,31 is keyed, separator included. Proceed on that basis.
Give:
3,34
